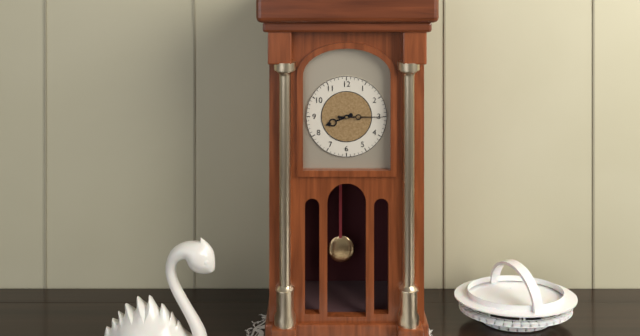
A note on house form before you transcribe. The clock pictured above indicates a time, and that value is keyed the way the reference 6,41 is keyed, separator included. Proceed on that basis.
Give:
8,15
